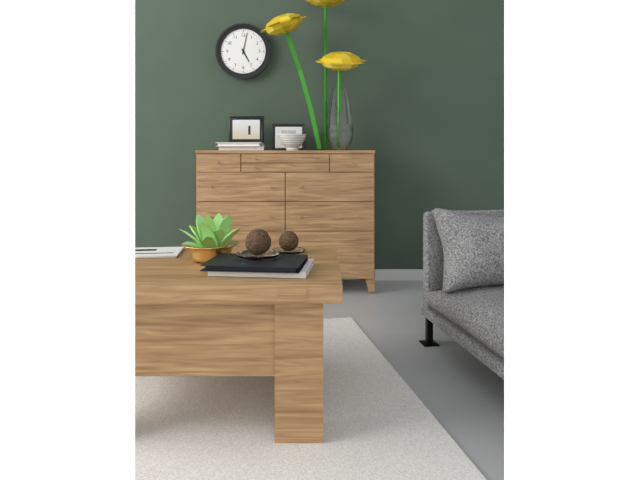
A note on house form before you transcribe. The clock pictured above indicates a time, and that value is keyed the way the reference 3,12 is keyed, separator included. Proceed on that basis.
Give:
5,02
